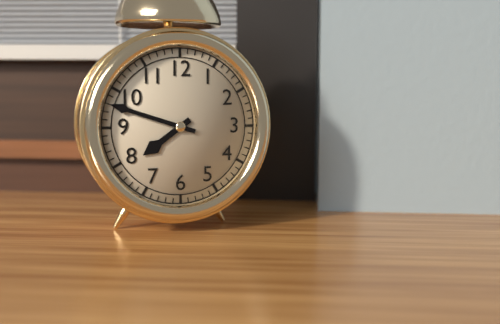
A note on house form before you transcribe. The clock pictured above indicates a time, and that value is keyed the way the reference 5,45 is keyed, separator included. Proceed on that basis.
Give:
7,48
